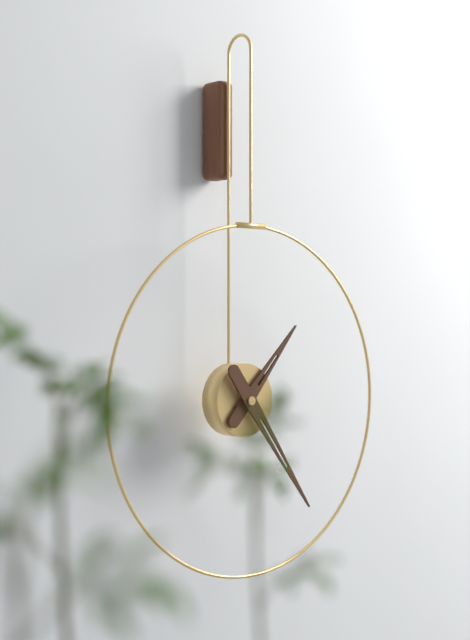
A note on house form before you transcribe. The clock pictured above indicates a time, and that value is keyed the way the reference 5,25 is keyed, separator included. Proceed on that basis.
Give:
1,24
